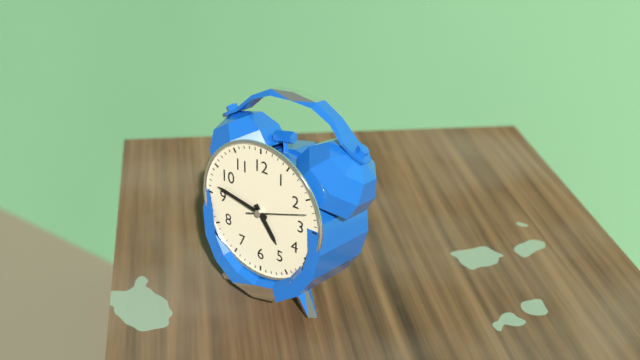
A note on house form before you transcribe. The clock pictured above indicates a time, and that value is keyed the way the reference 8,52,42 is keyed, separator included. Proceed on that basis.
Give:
4,47,12
